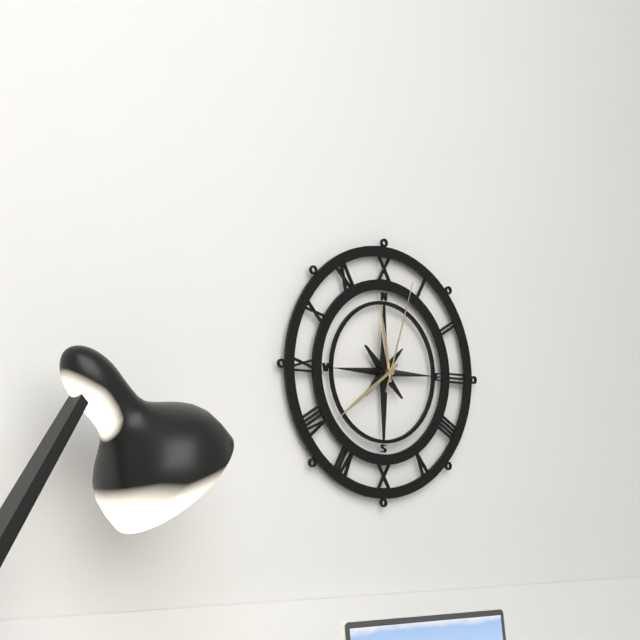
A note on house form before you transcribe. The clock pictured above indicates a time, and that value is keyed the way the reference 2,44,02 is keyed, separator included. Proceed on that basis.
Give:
11,39,03
